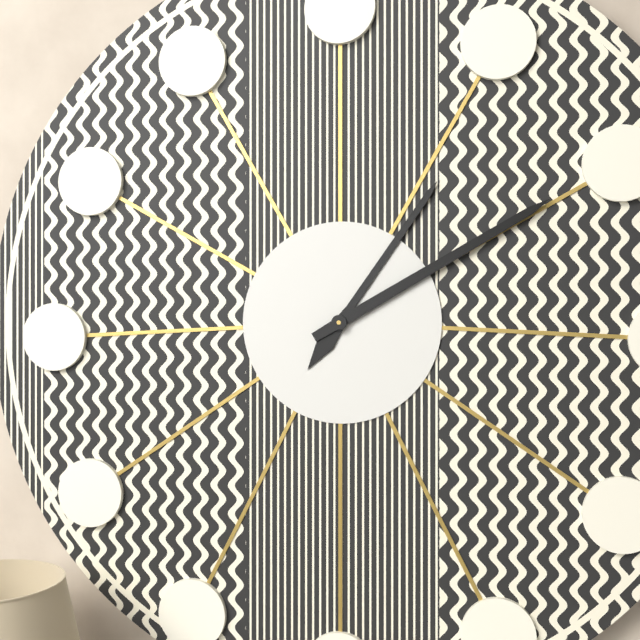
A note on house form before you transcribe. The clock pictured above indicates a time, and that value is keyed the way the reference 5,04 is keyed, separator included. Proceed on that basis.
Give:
1,10
